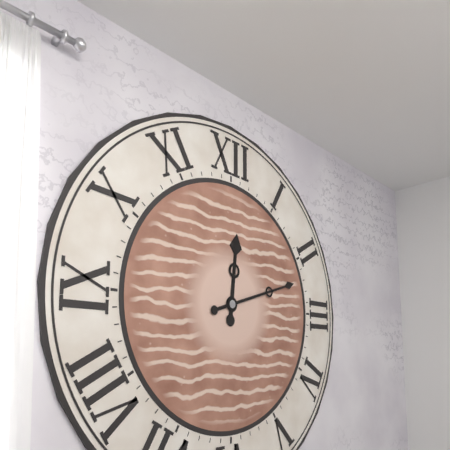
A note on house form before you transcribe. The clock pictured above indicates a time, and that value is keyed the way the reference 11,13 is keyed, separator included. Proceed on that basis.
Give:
12,12
